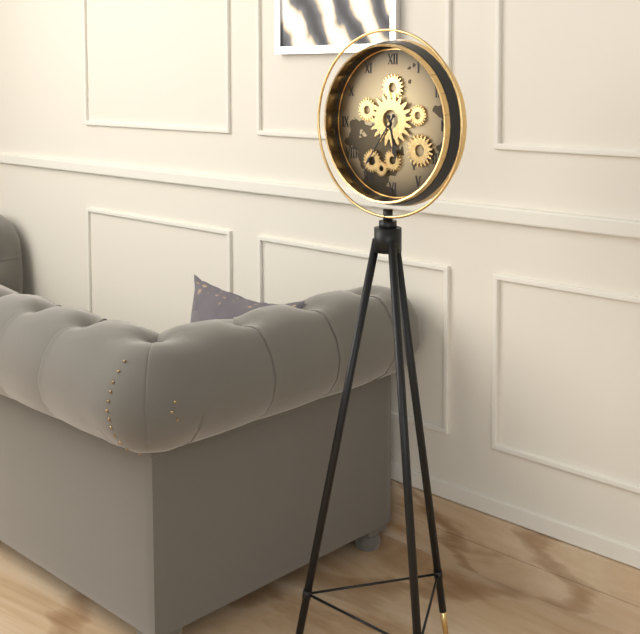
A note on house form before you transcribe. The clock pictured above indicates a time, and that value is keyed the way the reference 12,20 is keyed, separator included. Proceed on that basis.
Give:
5,36
